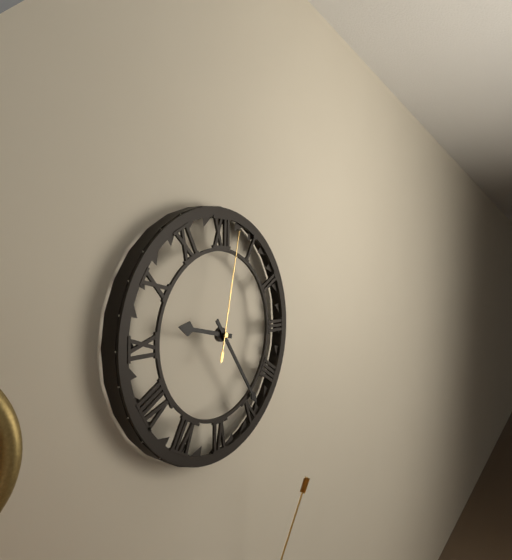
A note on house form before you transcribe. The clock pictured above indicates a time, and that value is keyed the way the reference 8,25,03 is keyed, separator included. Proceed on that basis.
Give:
9,24,02
